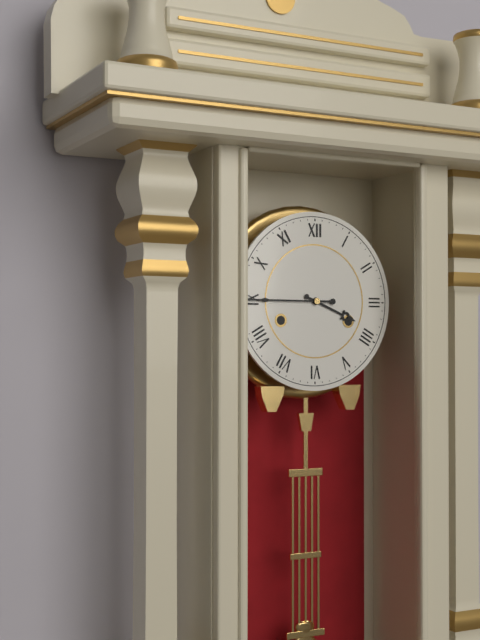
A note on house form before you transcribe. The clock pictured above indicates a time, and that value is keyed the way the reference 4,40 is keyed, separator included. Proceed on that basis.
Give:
3,45
